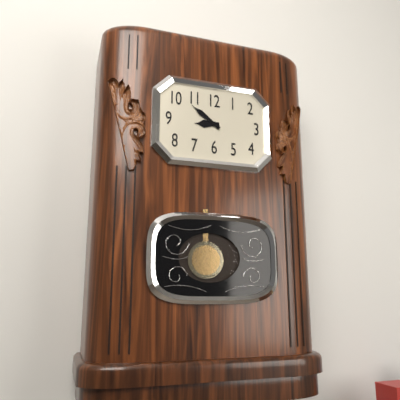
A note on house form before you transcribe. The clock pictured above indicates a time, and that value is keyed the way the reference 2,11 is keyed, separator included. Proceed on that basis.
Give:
8,51
